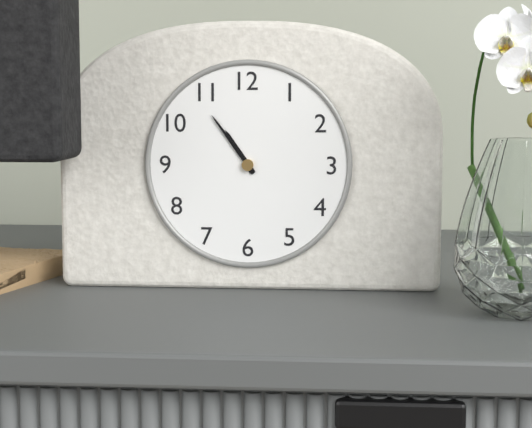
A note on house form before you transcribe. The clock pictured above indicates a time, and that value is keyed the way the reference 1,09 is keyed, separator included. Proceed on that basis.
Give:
10,54
